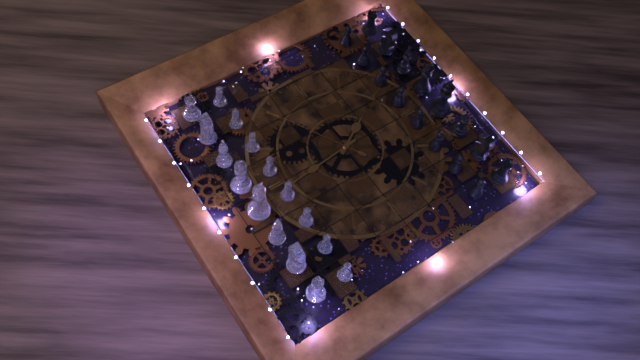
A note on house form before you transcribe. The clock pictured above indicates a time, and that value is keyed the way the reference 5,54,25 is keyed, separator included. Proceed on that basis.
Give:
4,59,10
